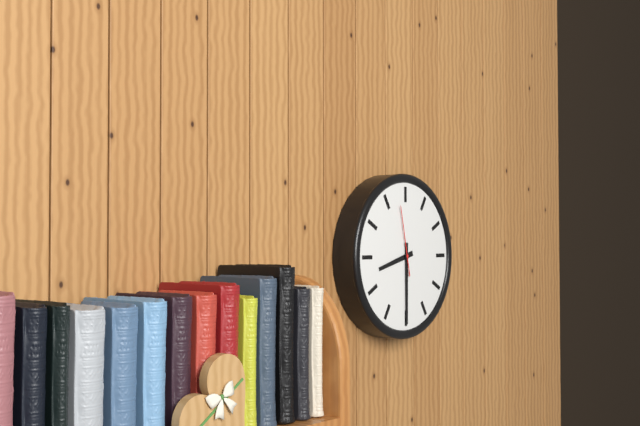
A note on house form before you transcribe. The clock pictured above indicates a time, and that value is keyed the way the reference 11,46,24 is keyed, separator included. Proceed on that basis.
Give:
8,30,58
